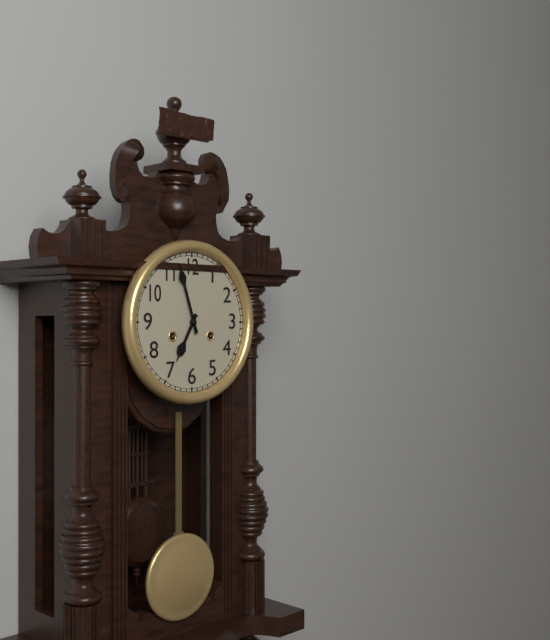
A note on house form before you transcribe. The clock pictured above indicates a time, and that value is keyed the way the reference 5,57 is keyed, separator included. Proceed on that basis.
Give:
6,57
